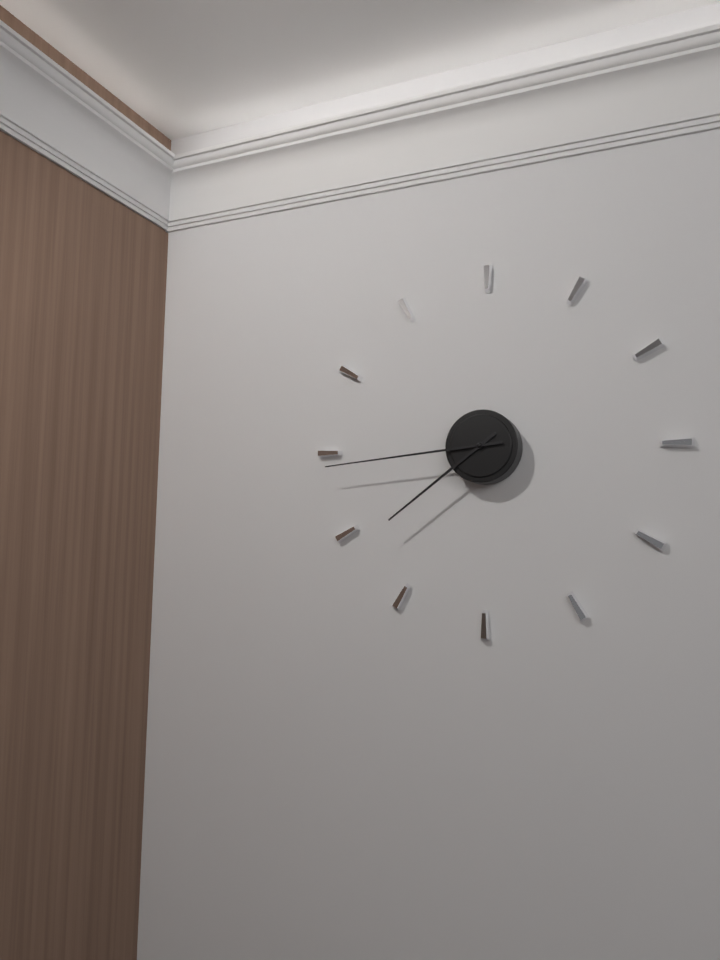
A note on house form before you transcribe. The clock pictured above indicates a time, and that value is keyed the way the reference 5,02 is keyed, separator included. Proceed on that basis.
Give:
7,44
